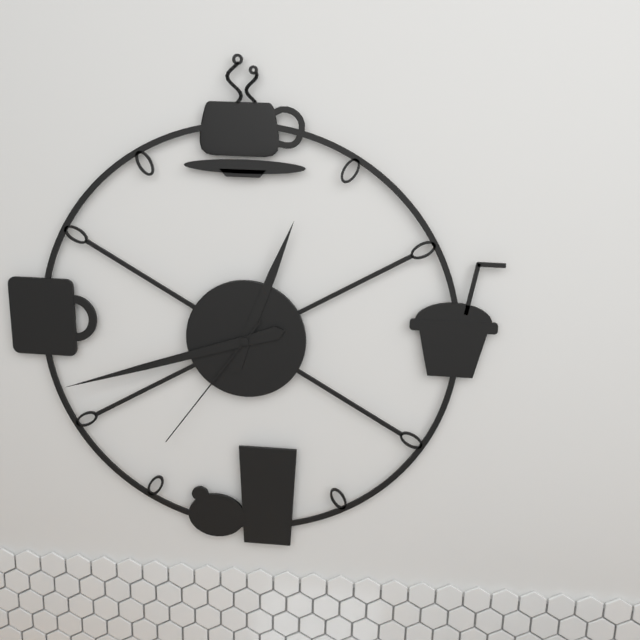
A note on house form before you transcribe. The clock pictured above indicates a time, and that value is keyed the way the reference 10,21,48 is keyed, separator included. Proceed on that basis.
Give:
12,42,36
